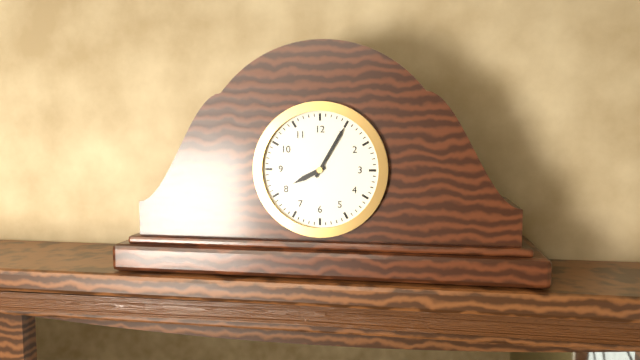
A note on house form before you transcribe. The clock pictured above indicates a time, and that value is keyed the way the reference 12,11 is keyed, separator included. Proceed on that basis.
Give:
8,05
